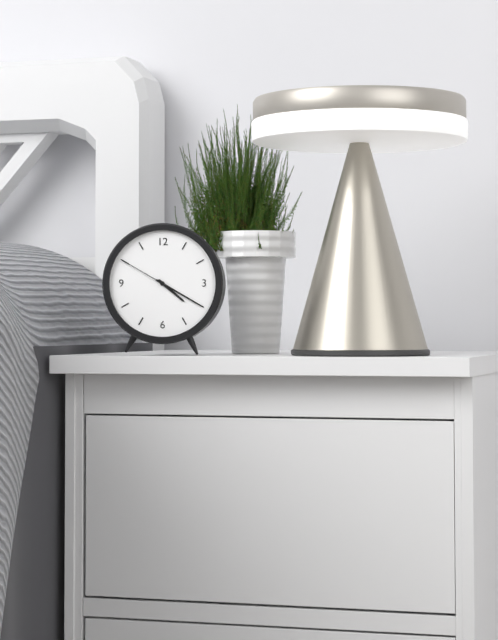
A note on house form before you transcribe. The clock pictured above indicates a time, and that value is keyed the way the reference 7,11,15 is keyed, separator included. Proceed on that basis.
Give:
4,20,50
